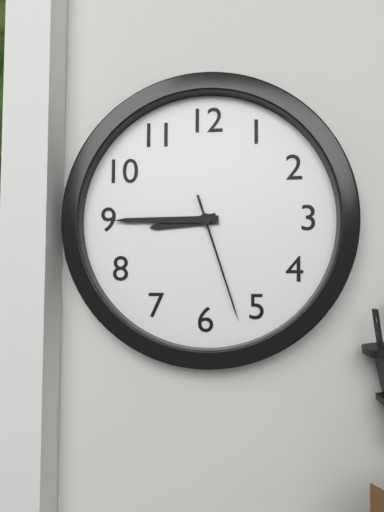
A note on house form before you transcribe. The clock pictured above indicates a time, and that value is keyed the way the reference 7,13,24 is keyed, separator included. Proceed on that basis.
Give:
8,45,27
